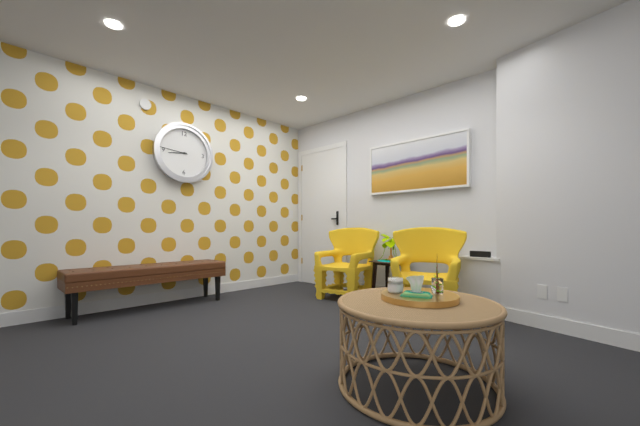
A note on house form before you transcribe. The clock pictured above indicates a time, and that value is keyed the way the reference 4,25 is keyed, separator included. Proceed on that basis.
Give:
8,46
